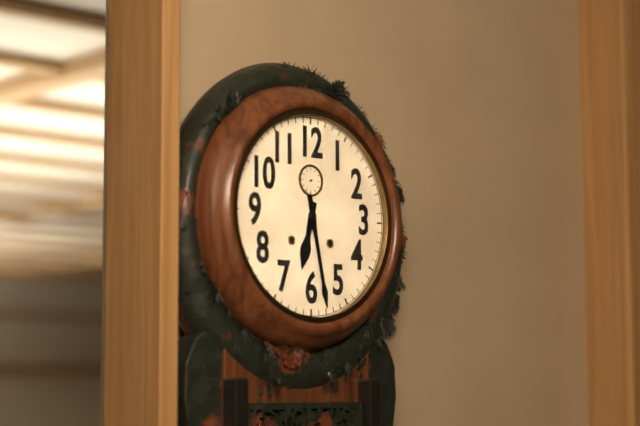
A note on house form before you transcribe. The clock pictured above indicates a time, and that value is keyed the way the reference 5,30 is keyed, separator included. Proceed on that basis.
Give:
6,28
